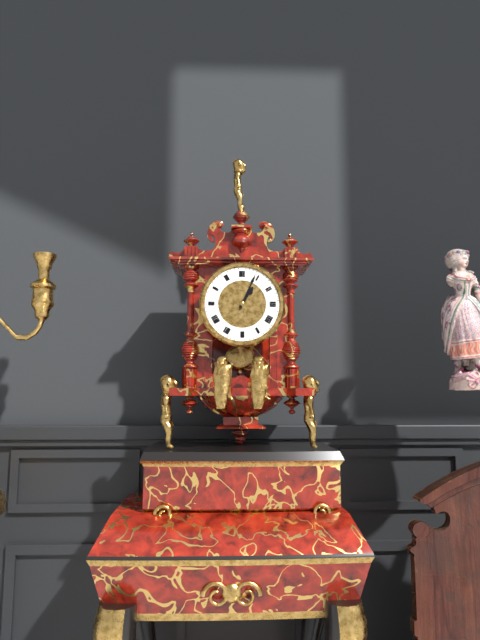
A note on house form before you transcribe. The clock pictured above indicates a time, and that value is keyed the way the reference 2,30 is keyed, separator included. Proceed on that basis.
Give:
1,04
